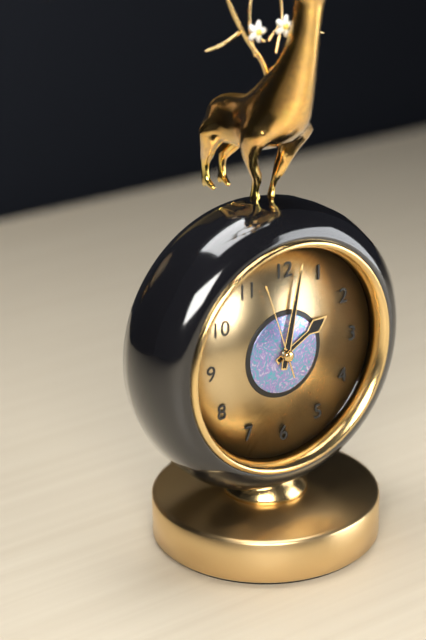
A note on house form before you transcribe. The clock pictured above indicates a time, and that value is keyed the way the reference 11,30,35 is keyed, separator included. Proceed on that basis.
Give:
2,02,57
